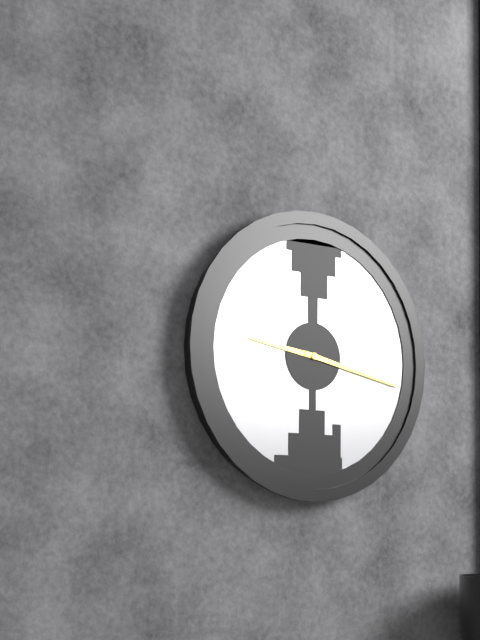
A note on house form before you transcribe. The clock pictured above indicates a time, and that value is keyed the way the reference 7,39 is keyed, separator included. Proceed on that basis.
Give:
9,17
